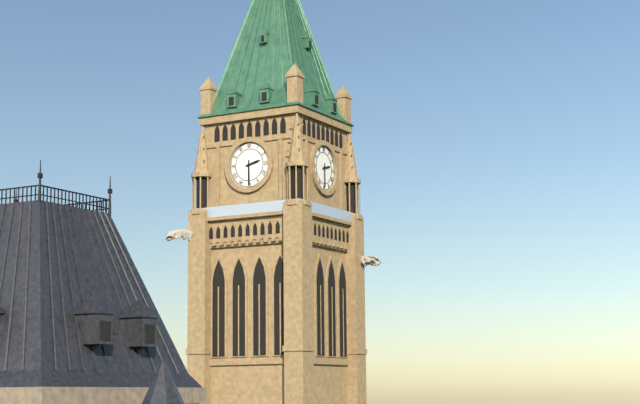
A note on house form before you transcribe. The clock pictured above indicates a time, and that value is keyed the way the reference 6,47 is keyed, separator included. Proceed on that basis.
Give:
2,30
